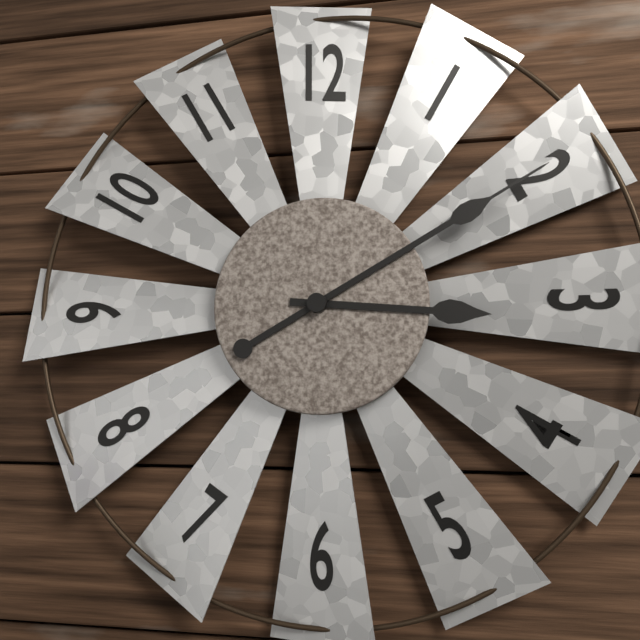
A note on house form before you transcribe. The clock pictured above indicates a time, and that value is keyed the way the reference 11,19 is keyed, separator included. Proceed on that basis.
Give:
3,10
